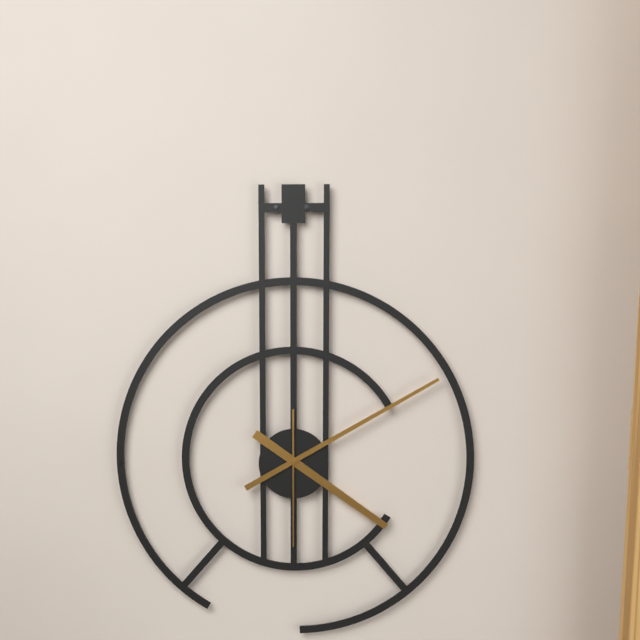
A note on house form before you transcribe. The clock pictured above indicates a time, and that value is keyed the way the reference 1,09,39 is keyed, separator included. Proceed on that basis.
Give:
4,10,30
